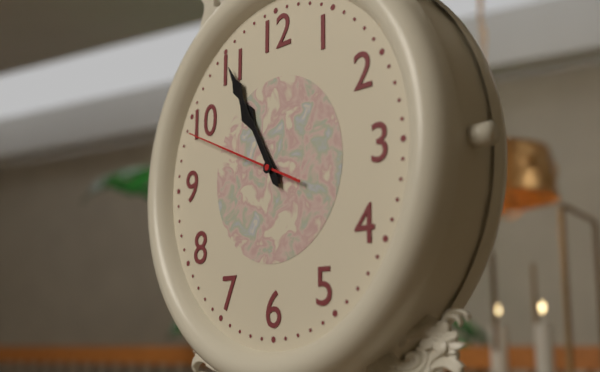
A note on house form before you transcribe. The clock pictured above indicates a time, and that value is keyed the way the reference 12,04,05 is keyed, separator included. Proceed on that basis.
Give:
10,55,49
